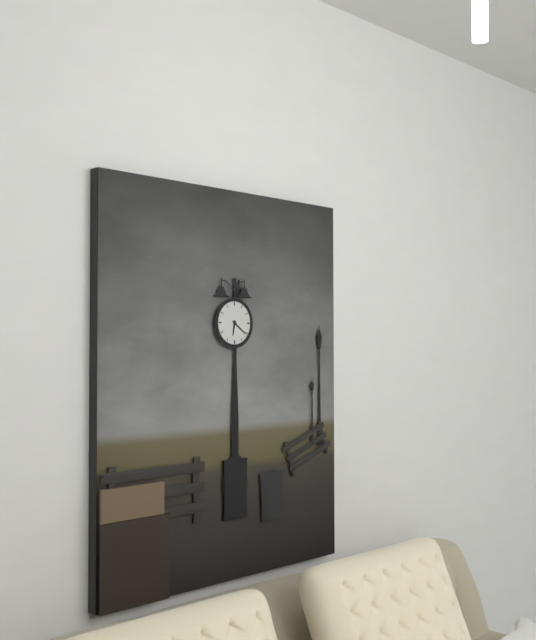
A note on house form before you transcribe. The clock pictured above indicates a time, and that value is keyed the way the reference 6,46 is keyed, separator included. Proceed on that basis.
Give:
6,21
